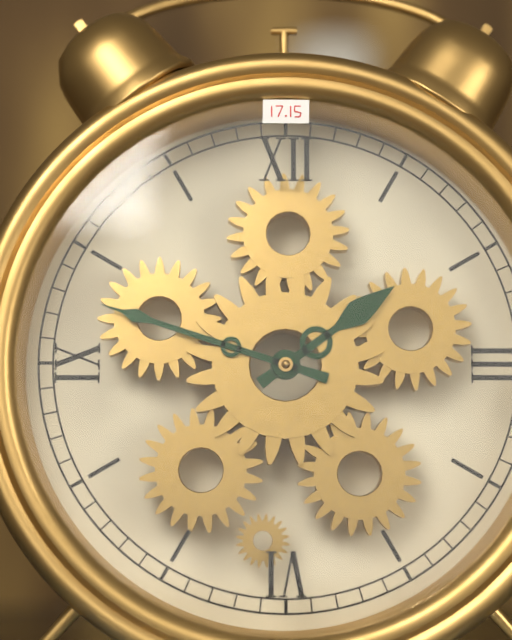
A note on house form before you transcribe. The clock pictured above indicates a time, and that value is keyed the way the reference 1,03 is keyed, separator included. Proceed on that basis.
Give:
1,48
